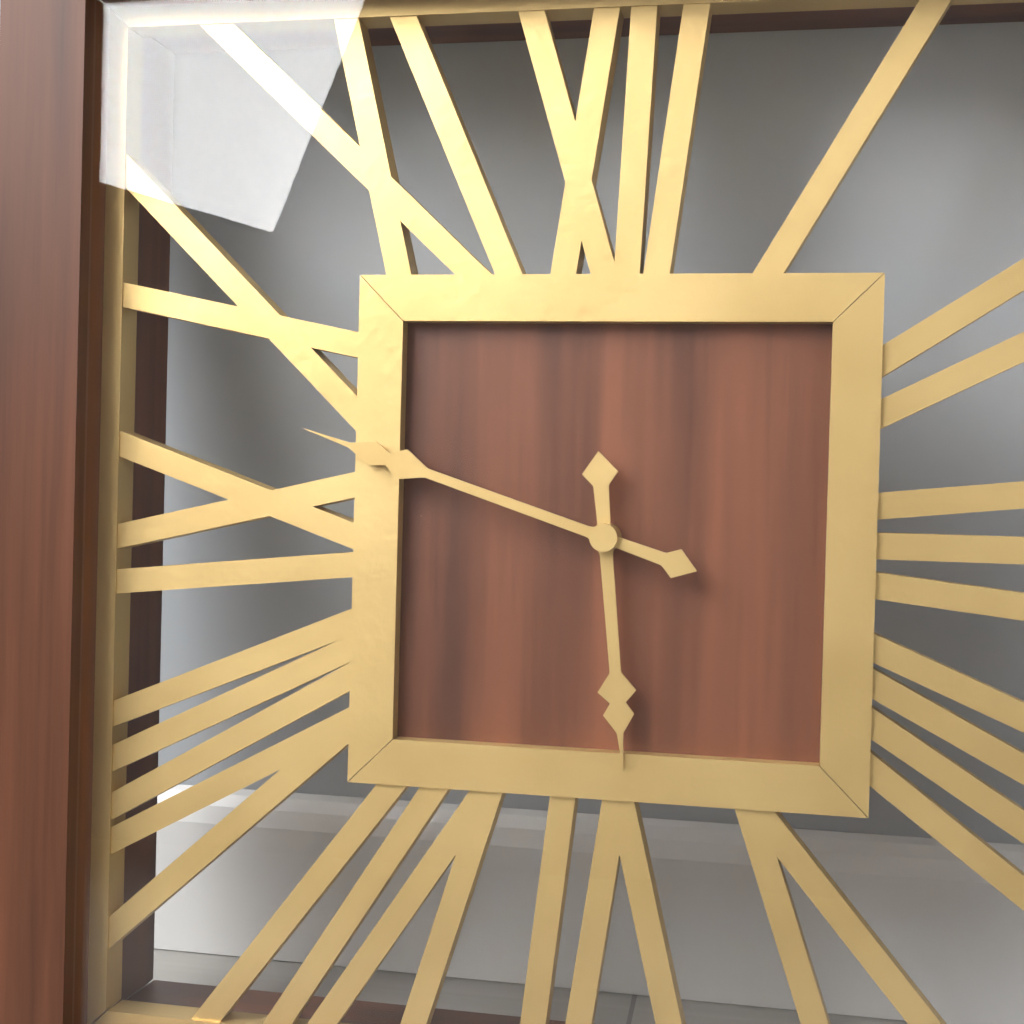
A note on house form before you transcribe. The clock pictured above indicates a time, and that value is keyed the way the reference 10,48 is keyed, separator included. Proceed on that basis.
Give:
5,48
